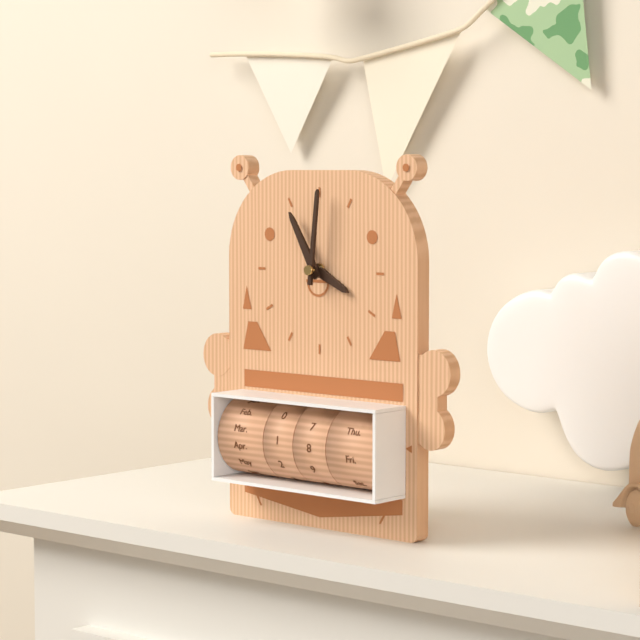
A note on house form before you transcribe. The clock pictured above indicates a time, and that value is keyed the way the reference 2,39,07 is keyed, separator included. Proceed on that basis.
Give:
3,55,01
